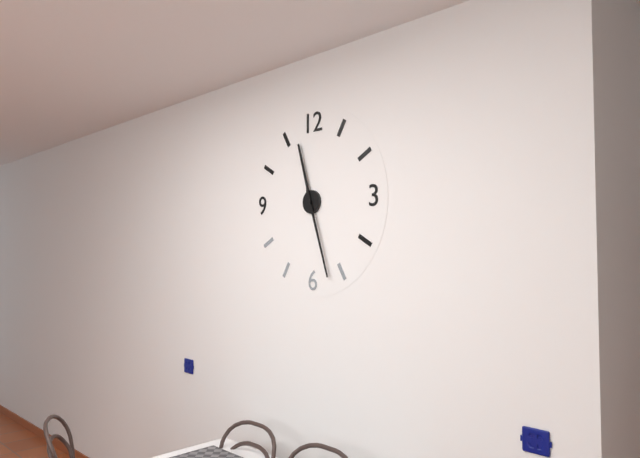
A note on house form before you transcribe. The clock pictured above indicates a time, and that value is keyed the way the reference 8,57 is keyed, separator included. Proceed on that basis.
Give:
11,27
